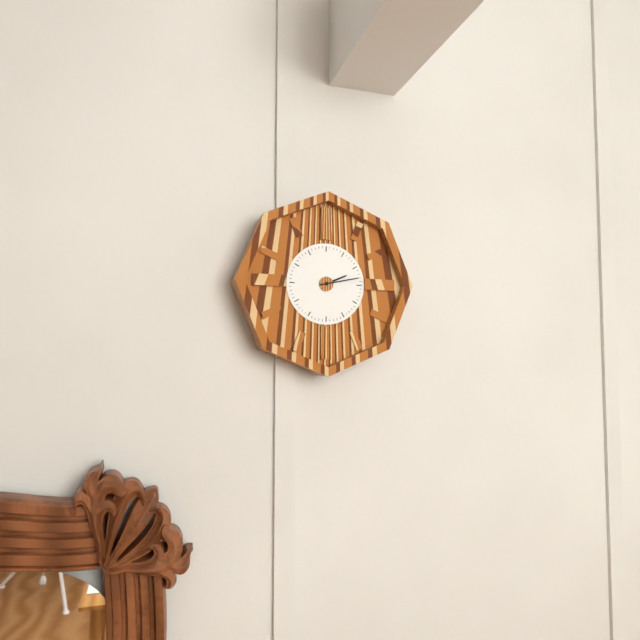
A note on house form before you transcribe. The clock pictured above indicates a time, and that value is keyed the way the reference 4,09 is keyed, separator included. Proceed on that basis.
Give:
2,13
